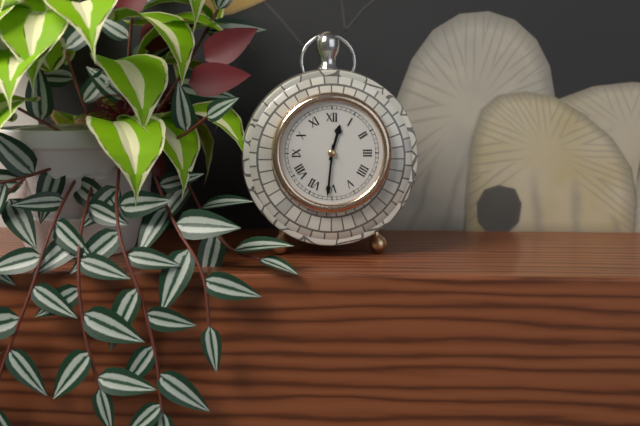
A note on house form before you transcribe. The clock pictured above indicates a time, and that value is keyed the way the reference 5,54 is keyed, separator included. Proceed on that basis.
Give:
12,31
